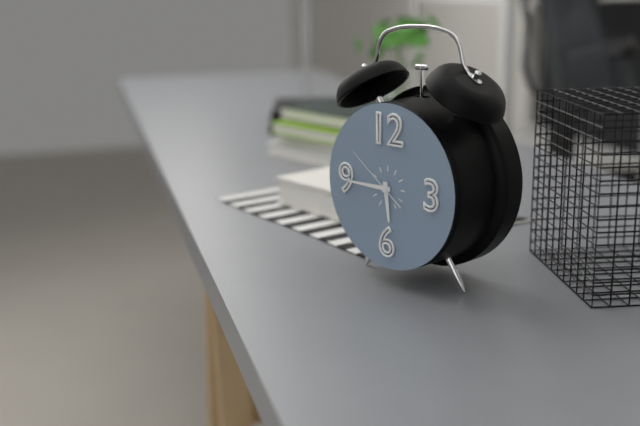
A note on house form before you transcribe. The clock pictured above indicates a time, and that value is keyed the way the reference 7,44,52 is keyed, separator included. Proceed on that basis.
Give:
5,45,51
